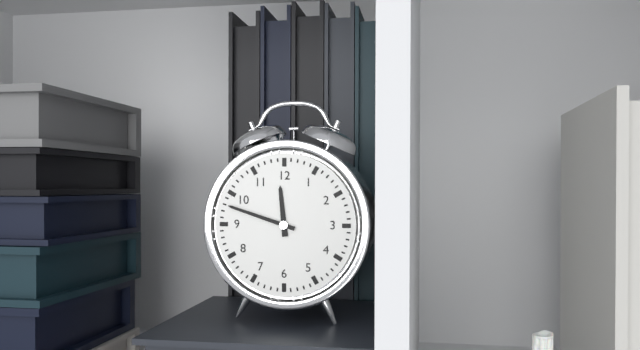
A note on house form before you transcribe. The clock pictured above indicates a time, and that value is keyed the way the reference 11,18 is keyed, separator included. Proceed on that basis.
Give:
11,48
